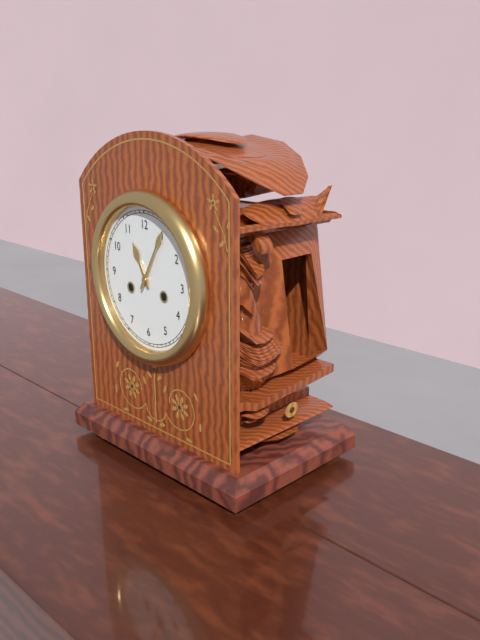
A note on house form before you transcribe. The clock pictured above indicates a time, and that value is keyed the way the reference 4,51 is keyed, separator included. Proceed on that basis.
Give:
11,05
